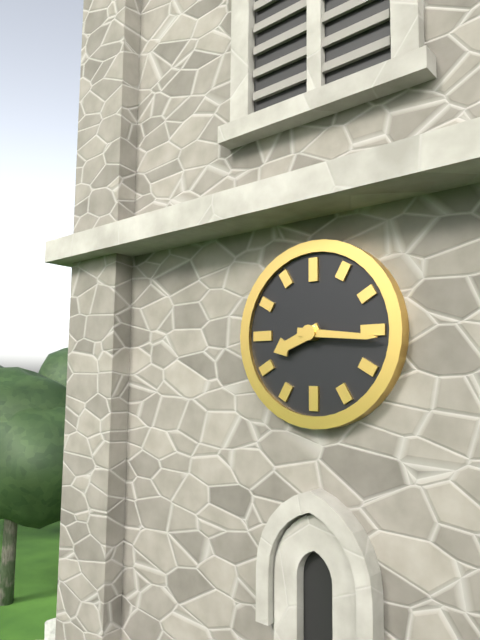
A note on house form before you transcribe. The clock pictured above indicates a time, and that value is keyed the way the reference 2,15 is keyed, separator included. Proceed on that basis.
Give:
8,16
